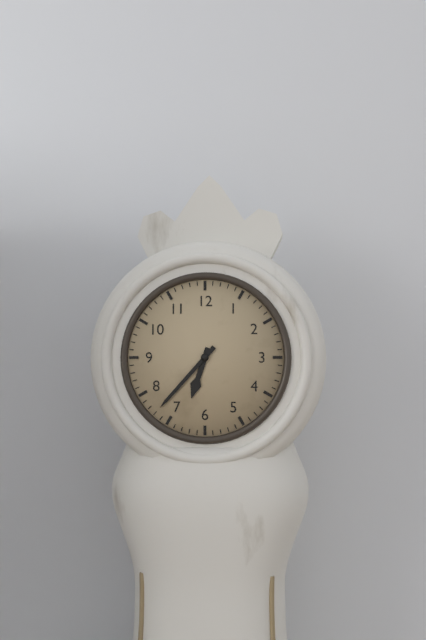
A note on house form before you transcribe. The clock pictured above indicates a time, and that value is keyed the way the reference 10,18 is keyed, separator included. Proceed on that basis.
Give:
6,37
